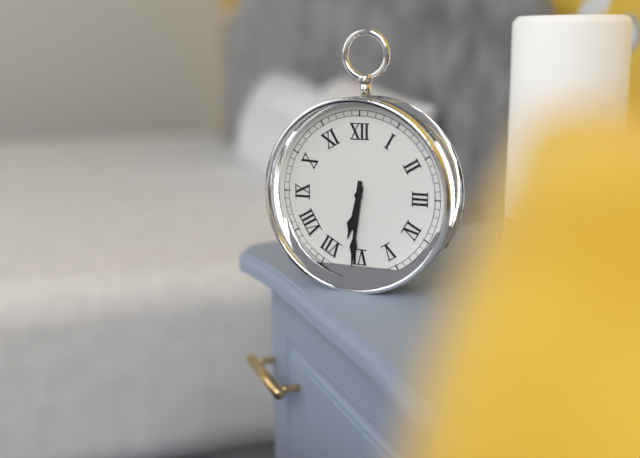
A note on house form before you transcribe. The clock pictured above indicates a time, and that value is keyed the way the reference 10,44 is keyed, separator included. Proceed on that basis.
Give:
6,31
